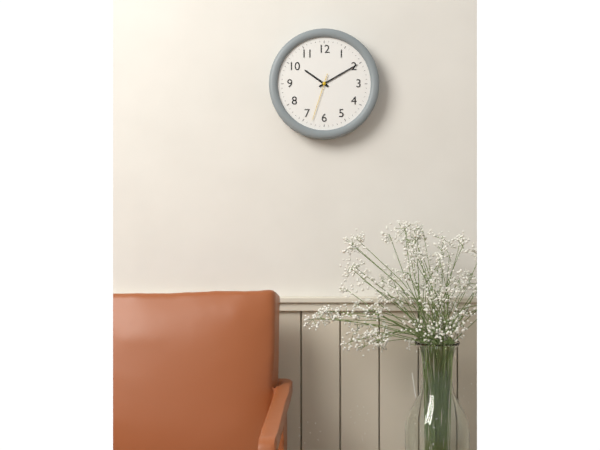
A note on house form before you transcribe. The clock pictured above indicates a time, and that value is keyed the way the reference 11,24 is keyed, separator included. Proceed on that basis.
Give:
10,10
